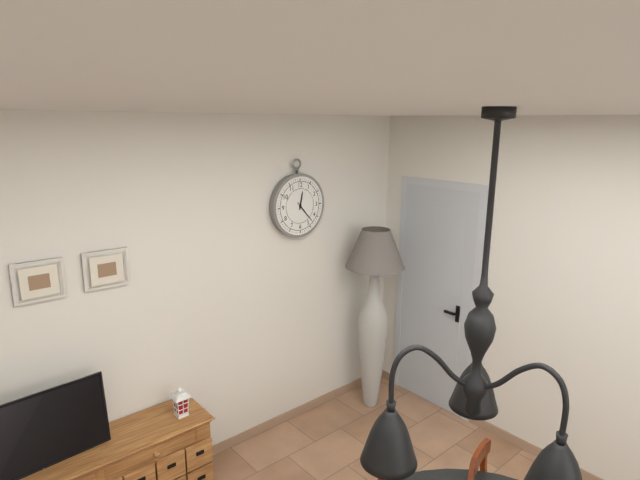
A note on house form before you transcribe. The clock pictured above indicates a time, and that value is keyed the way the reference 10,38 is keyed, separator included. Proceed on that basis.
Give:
12,23
